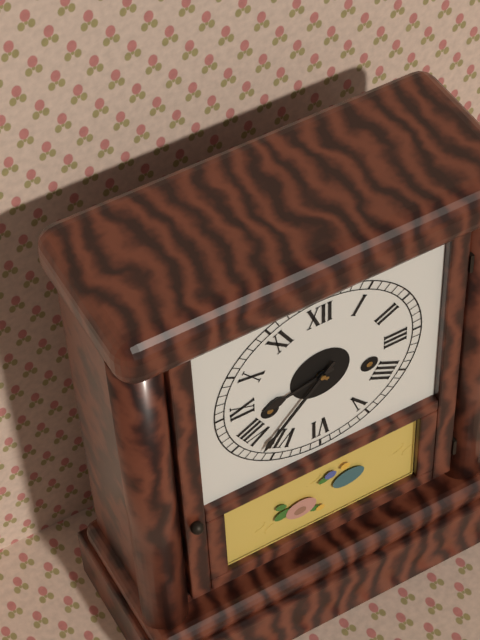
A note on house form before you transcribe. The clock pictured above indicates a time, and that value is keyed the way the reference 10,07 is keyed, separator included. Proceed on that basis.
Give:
8,37
